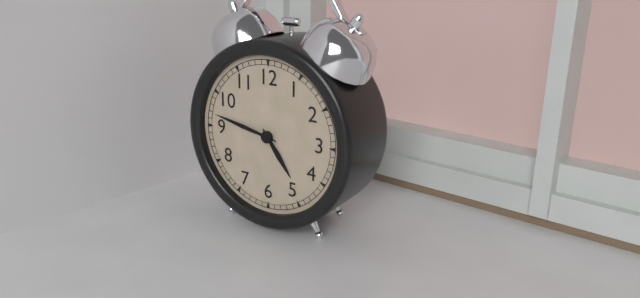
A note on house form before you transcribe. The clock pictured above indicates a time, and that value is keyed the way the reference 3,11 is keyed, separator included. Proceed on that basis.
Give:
4,47
